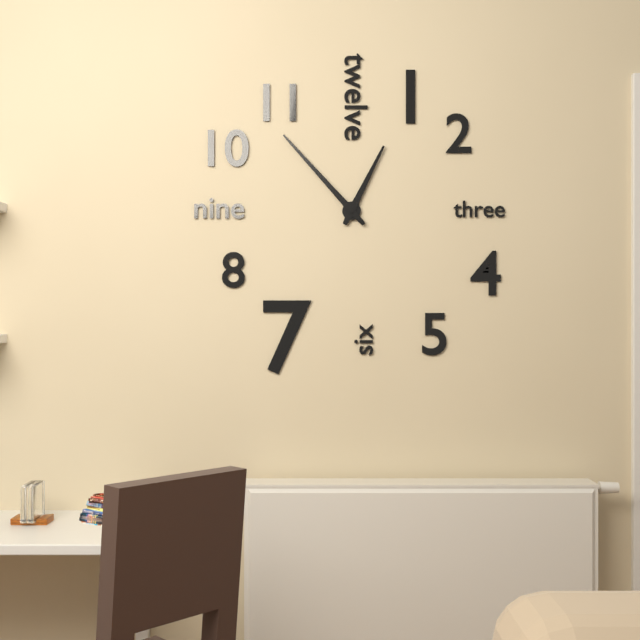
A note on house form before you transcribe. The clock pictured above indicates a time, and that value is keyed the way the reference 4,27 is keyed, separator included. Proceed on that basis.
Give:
12,53
